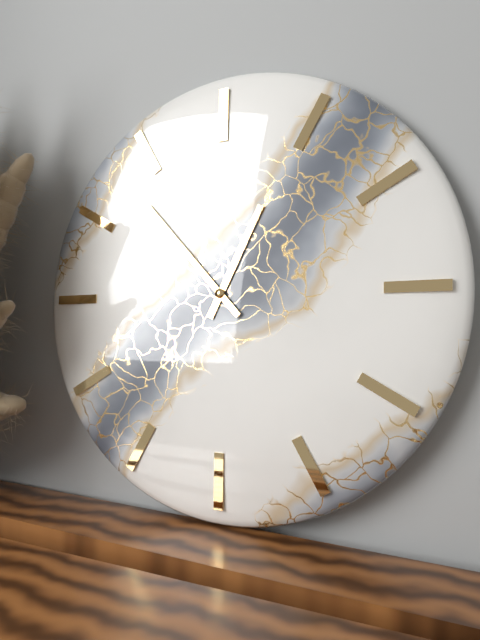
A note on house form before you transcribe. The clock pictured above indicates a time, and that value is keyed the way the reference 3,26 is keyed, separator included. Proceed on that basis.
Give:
12,53
